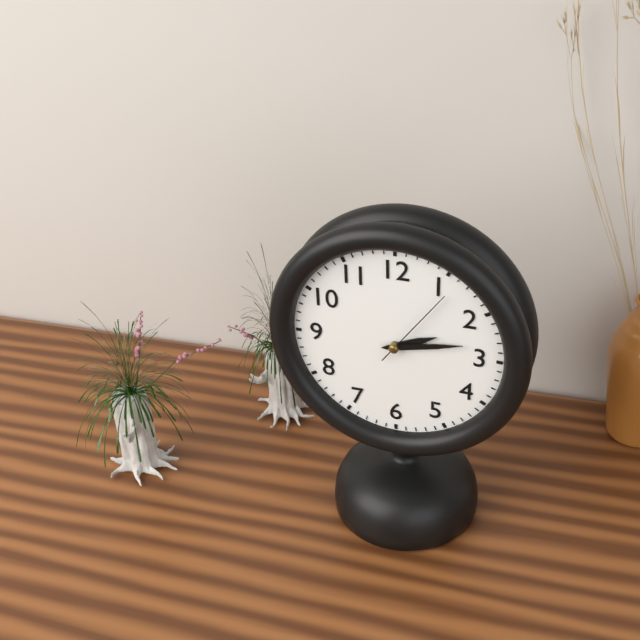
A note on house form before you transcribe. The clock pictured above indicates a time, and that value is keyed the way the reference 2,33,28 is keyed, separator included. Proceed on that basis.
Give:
2,13,06
